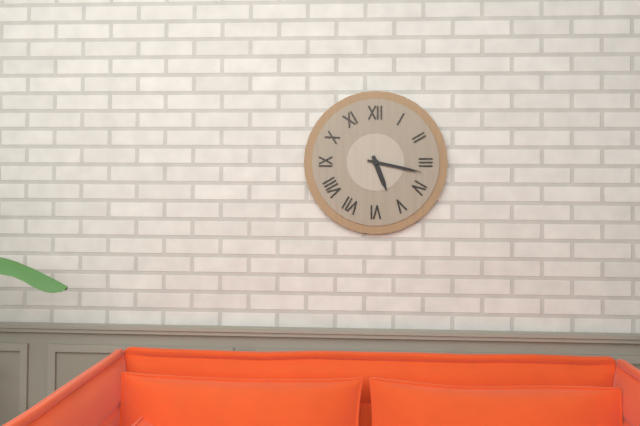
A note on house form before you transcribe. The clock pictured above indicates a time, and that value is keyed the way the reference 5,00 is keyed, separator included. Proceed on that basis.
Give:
5,17
